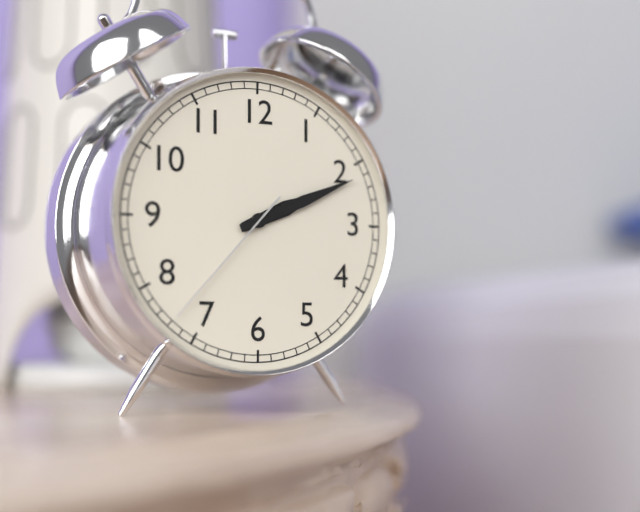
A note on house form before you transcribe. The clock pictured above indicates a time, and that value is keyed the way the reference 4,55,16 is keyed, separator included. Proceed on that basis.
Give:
2,11,37
